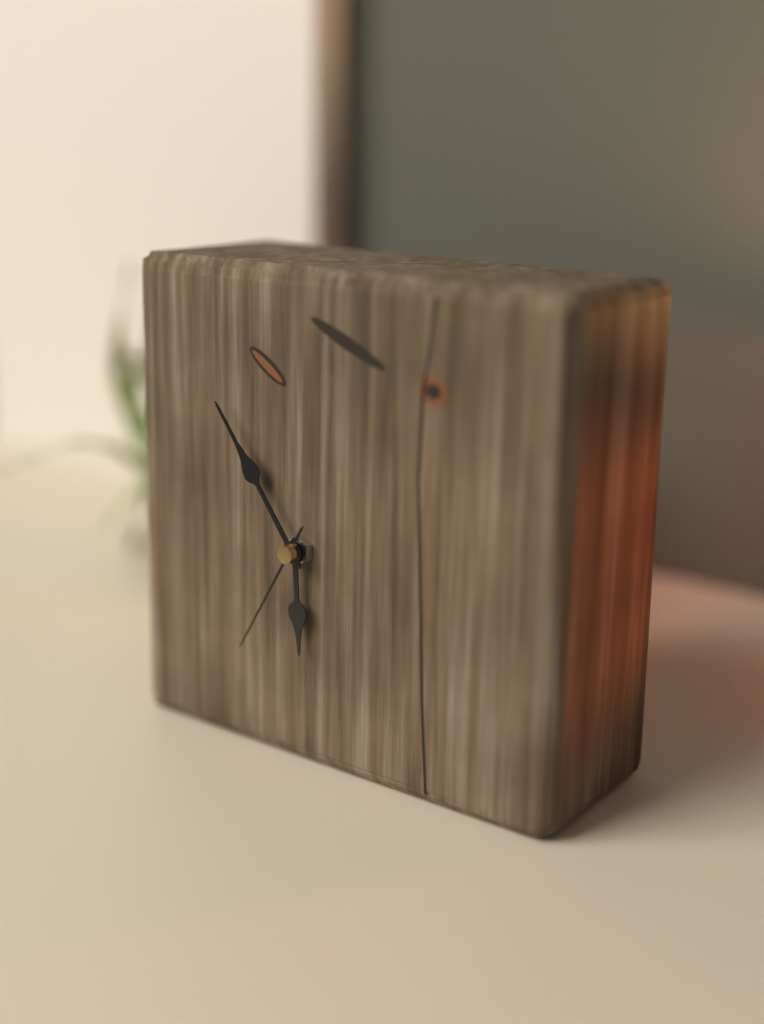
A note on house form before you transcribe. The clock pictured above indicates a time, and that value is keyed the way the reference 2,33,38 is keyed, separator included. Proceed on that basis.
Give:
5,54,35
